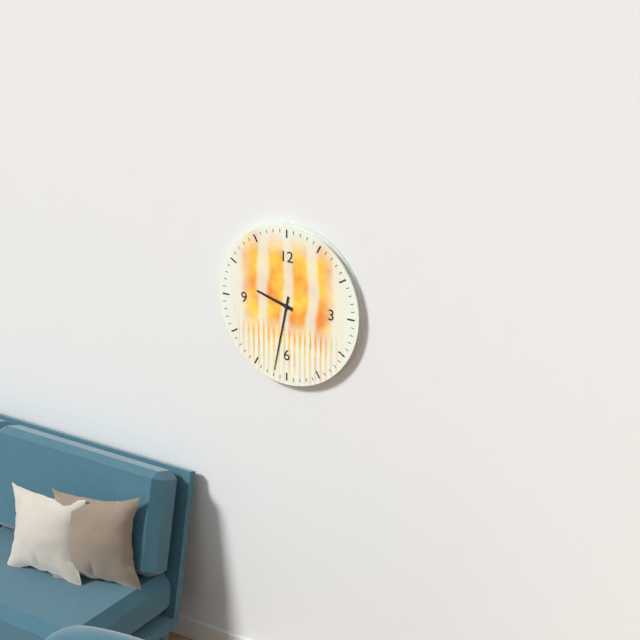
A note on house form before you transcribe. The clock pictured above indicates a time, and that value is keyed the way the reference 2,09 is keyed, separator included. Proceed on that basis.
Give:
9,32
